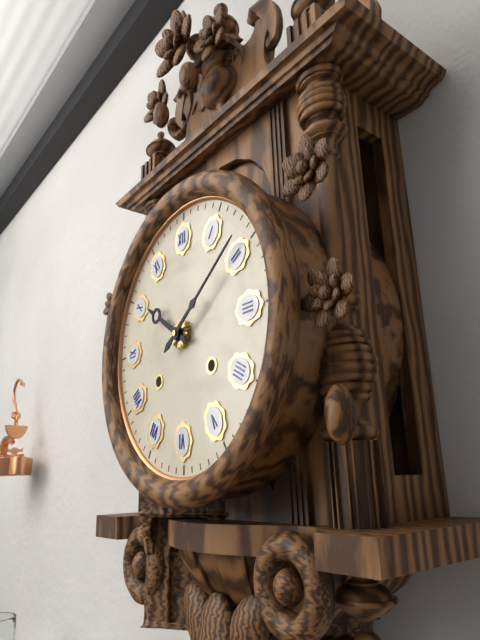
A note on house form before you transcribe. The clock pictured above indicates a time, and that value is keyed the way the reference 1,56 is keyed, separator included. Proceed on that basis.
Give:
10,09
